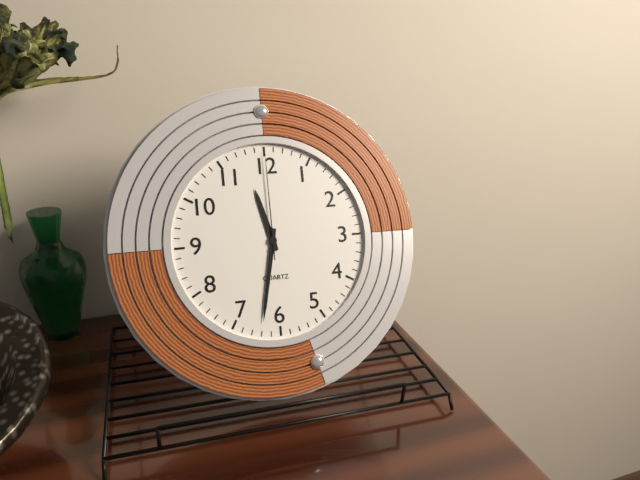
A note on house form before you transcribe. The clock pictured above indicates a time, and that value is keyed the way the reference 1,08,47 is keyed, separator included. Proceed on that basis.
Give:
11,32,00
